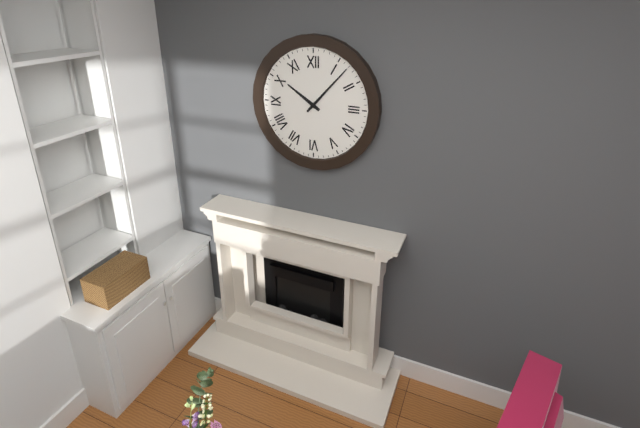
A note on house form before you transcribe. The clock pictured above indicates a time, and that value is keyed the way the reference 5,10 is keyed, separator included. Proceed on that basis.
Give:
10,07
